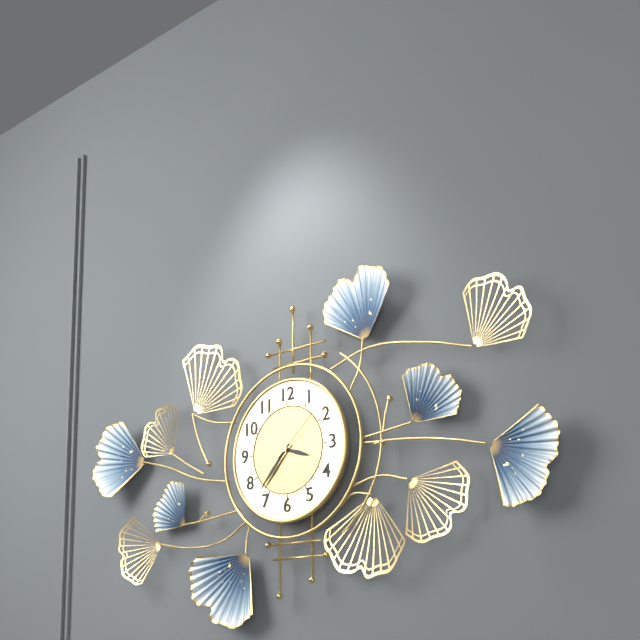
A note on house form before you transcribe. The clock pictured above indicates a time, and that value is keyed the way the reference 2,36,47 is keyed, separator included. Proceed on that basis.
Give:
3,37,08
